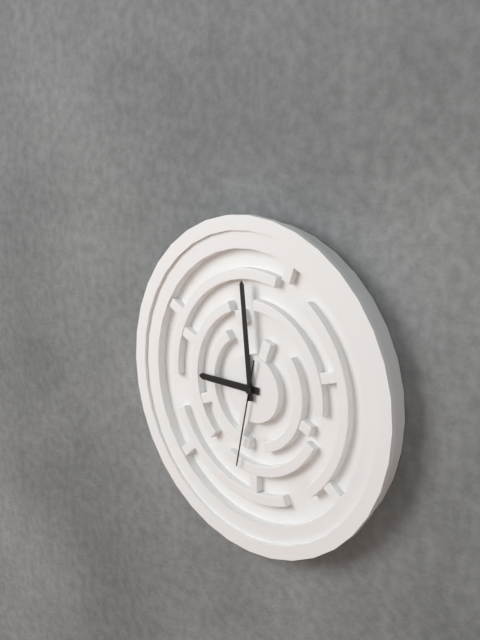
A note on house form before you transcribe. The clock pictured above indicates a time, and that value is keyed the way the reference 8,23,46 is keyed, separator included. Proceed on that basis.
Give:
8,59,32
